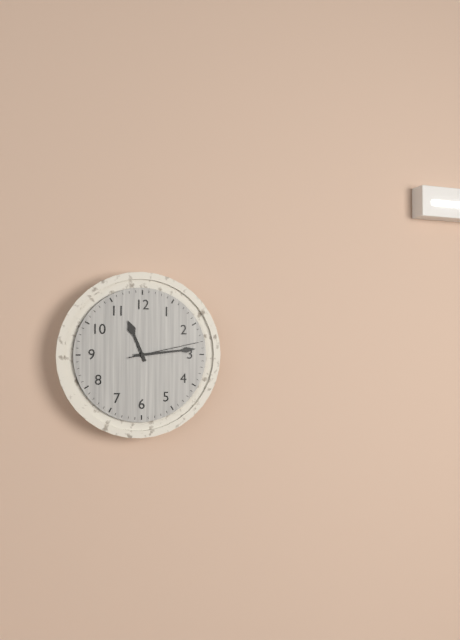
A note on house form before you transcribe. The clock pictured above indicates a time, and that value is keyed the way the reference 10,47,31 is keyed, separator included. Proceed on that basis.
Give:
11,14,13
